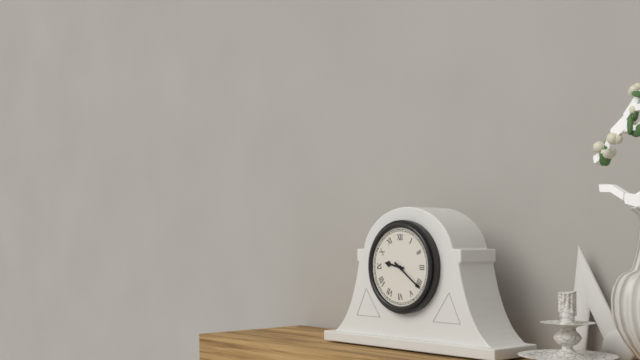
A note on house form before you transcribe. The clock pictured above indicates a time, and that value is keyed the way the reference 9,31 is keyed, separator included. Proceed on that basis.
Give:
9,21
